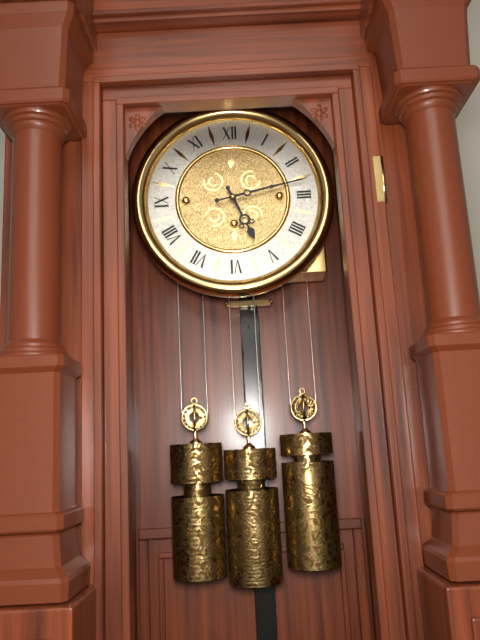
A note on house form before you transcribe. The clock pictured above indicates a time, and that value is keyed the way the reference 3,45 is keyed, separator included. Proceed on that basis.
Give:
5,13
